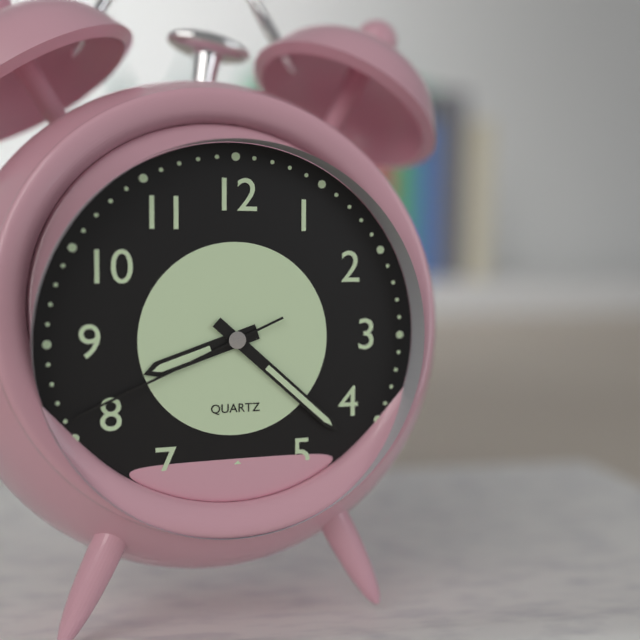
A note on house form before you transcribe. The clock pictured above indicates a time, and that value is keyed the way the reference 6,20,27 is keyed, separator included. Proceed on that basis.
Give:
8,22,41
